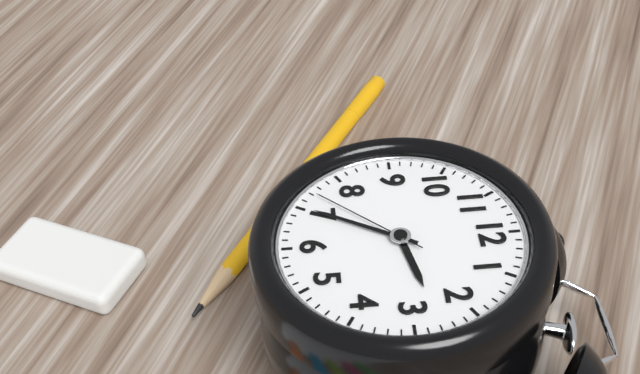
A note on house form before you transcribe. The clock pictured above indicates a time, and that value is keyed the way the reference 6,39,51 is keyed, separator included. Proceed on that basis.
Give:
2,35,37
